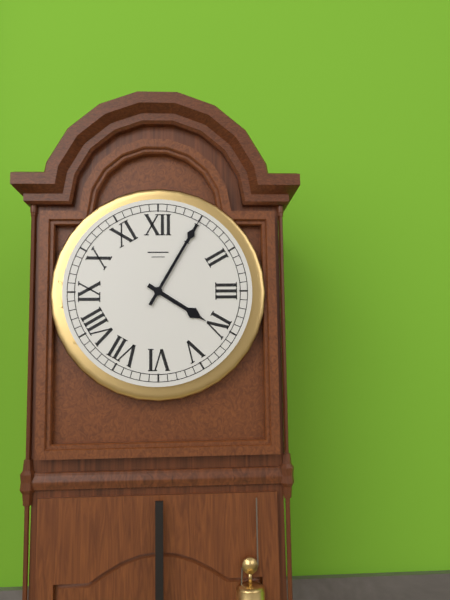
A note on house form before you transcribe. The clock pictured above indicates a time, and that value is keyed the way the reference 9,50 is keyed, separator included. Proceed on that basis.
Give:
4,05
